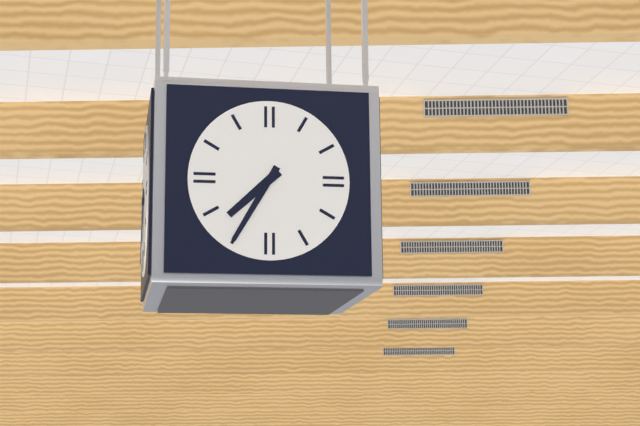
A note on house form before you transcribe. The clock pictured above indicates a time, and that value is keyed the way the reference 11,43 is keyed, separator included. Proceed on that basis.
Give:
7,35
